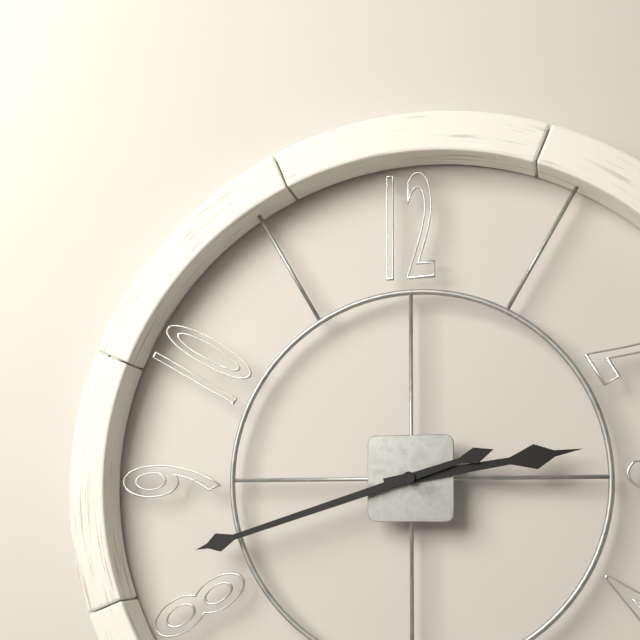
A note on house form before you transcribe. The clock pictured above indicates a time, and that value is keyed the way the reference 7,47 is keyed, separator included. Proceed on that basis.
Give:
2,42
